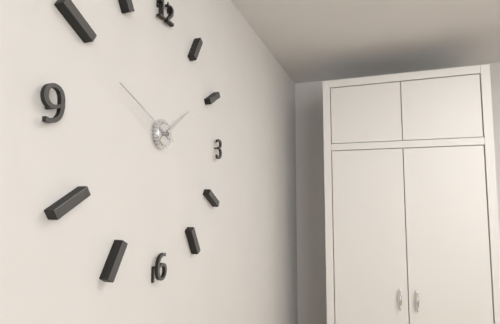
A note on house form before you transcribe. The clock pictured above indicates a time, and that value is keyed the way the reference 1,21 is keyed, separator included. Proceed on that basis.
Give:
1,49
